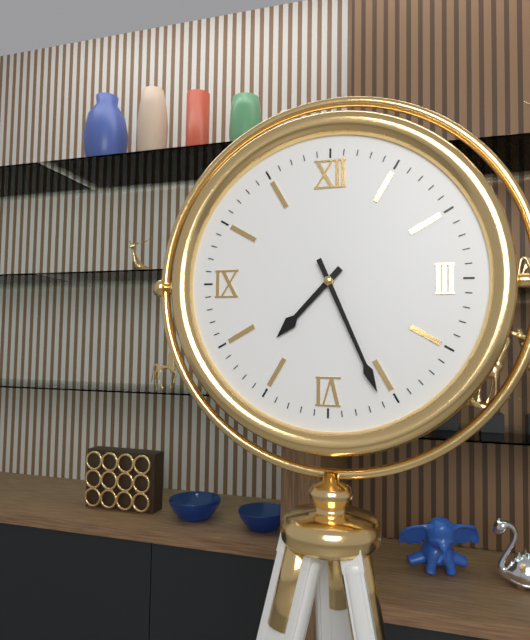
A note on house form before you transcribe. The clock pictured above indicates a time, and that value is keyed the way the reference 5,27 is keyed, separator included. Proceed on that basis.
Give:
7,26
